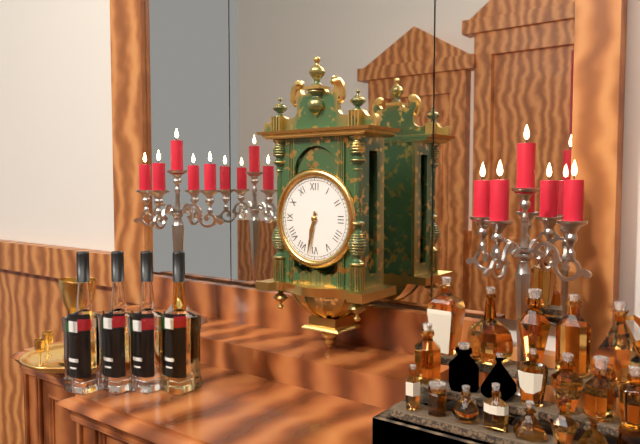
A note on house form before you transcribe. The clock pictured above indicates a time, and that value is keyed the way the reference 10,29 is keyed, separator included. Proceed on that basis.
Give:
6,32
